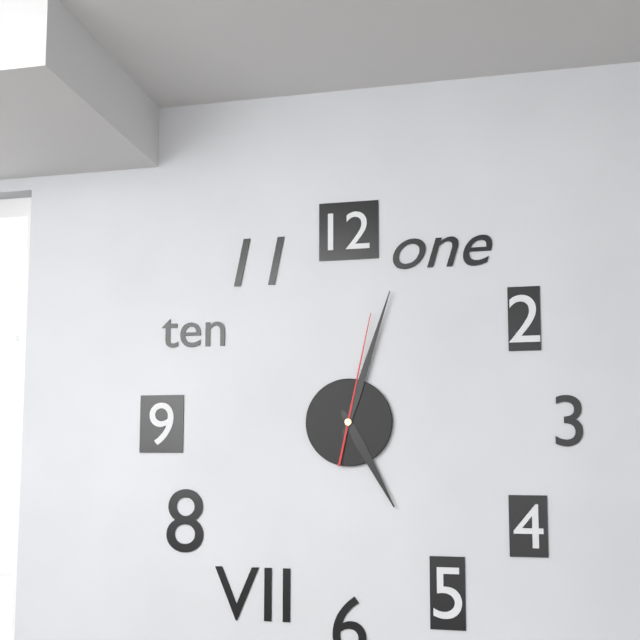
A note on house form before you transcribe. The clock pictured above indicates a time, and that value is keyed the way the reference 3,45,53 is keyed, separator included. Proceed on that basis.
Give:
5,03,02
